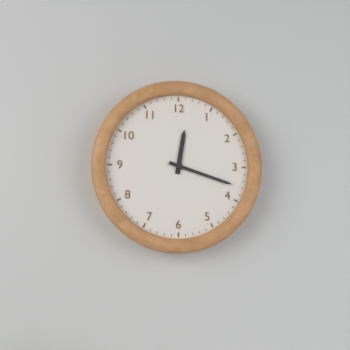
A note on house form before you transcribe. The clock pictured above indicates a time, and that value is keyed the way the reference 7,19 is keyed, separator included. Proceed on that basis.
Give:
12,18
